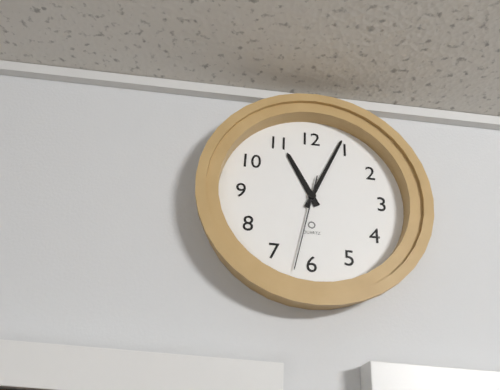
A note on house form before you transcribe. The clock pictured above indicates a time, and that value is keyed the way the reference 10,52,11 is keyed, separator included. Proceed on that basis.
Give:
11,04,32
